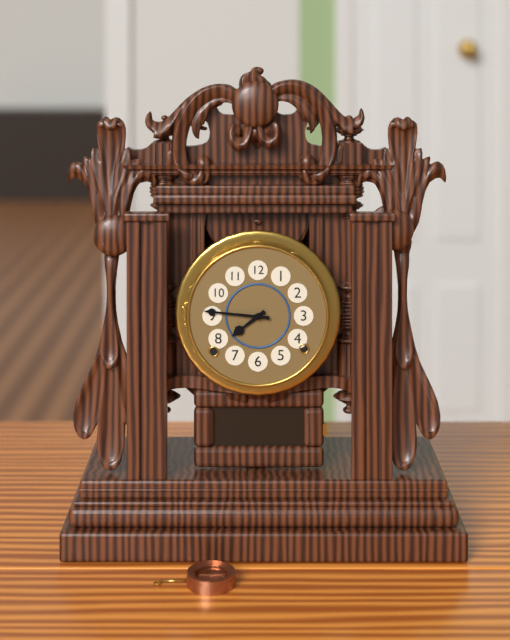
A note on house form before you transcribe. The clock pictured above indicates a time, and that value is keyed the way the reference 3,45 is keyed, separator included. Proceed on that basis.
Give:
7,46
